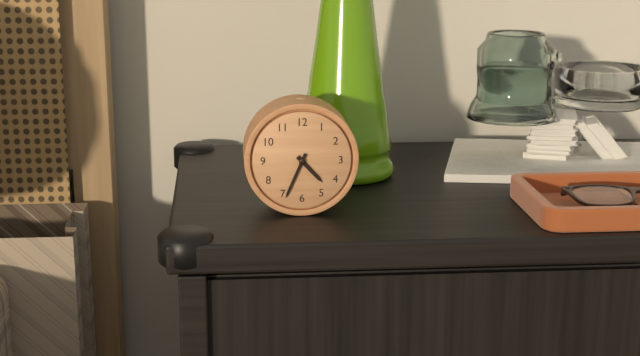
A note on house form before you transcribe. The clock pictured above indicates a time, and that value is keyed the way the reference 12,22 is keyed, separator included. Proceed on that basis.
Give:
4,34
